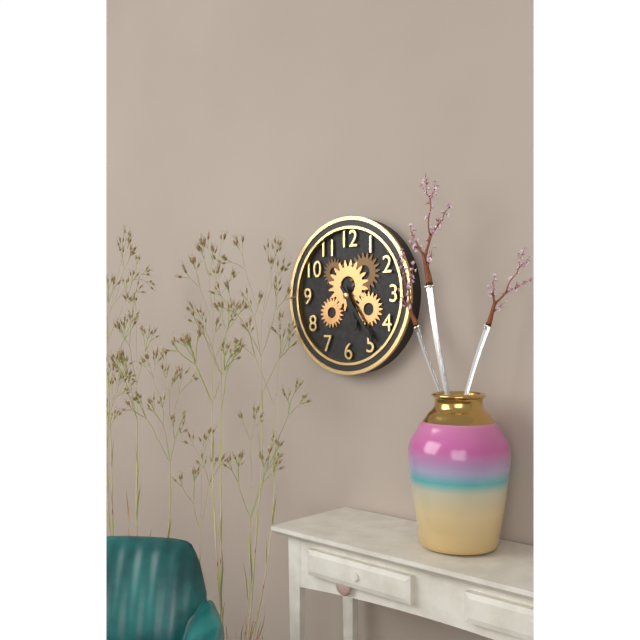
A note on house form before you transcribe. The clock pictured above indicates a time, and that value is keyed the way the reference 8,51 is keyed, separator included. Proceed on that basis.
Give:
5,24
